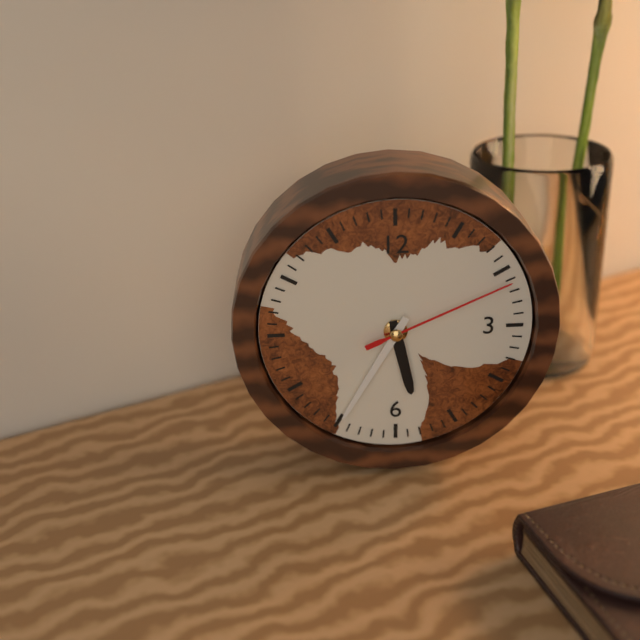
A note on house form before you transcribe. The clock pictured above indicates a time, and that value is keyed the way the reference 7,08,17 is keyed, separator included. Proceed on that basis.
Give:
5,35,11
